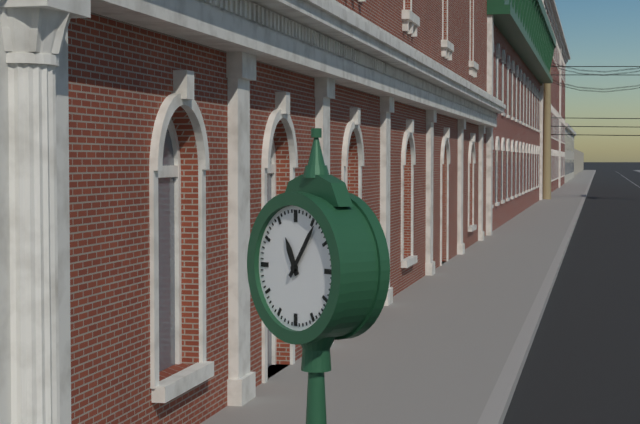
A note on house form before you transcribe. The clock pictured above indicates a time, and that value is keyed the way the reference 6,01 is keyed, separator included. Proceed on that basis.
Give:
11,06
